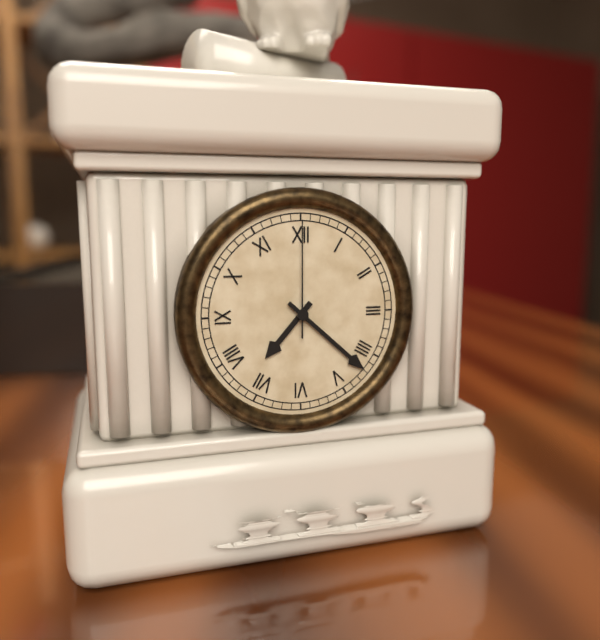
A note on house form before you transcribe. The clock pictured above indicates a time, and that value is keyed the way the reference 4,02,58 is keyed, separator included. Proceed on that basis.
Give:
7,22,00
